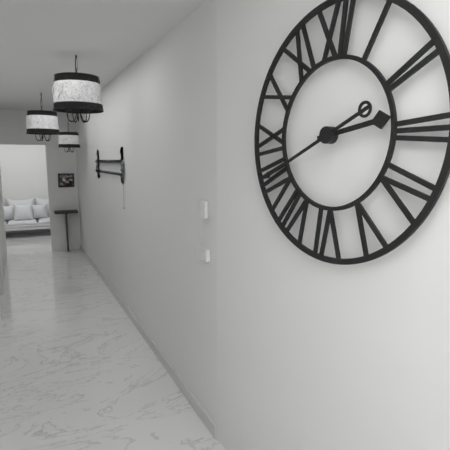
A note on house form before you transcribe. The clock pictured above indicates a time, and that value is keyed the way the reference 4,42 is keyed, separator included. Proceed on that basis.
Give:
2,41
